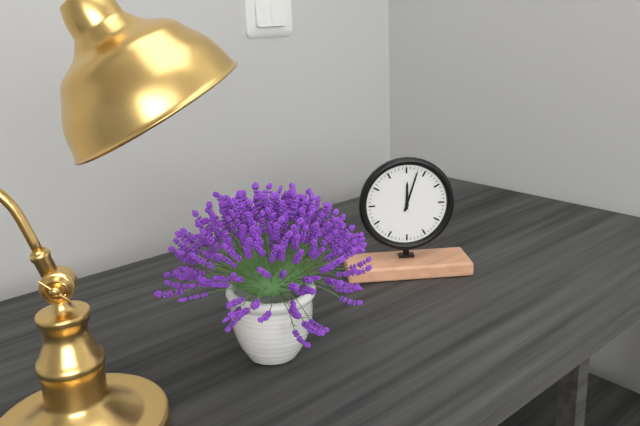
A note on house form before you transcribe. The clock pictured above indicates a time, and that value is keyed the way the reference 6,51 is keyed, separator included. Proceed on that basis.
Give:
12,03
